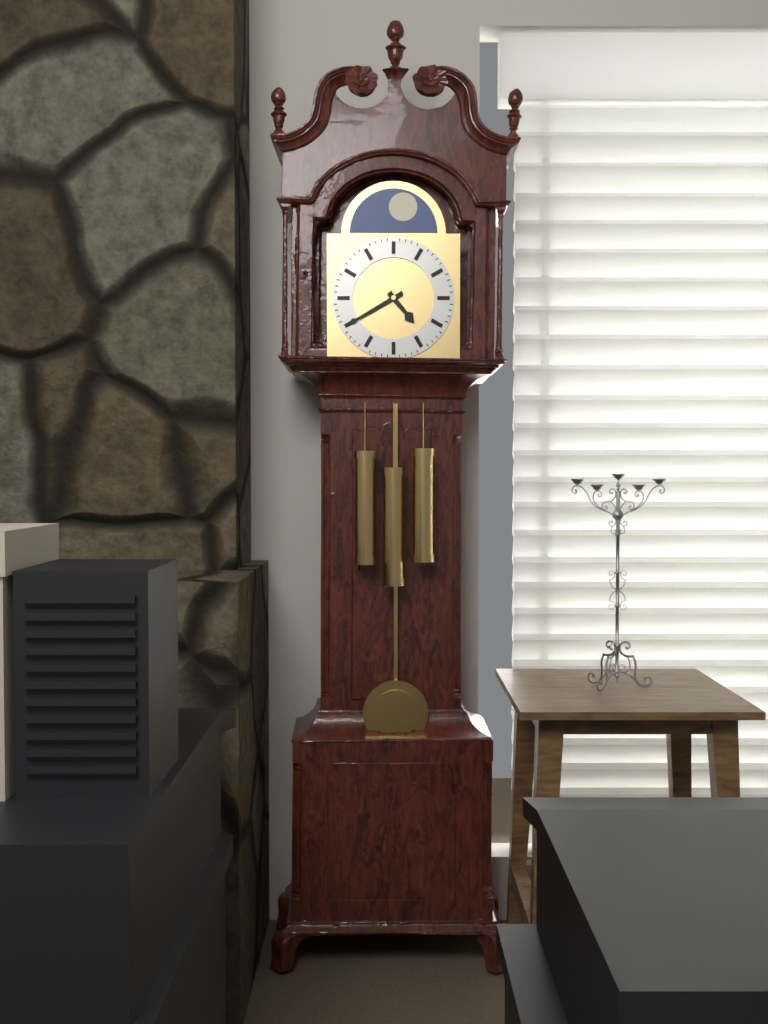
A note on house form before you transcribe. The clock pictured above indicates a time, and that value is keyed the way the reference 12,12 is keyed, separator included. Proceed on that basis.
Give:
4,40
